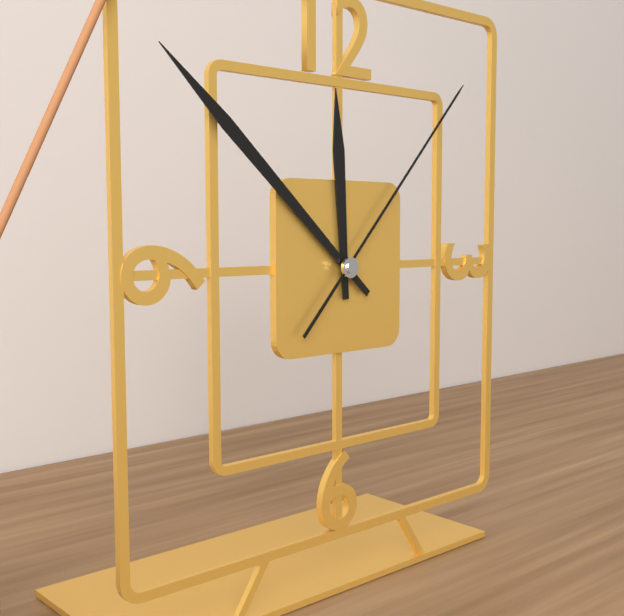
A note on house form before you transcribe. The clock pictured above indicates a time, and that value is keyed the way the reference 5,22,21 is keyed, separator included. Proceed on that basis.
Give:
11,52,07
